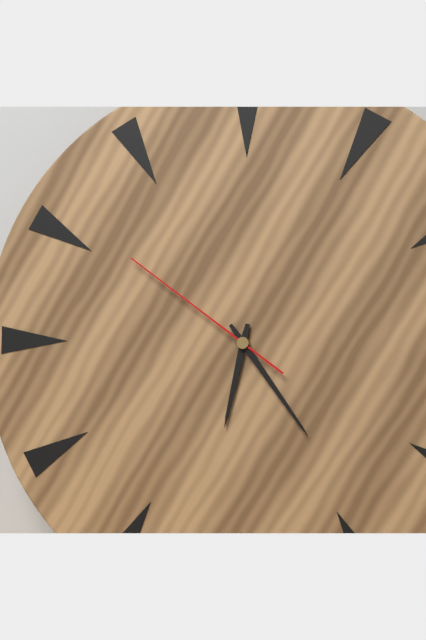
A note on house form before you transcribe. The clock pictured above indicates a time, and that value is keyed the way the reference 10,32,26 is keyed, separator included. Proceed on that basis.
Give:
6,24,51
